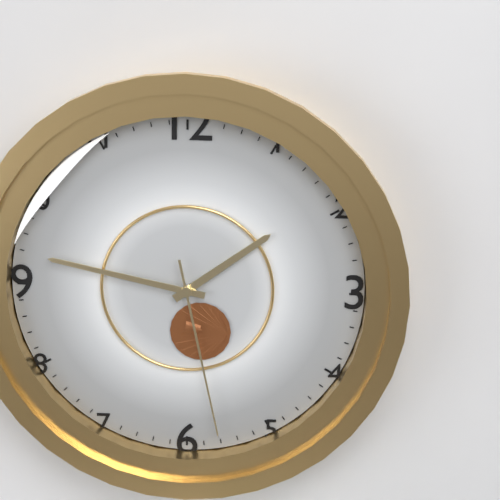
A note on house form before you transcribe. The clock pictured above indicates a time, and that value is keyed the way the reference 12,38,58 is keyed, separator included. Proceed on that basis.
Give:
1,47,28
